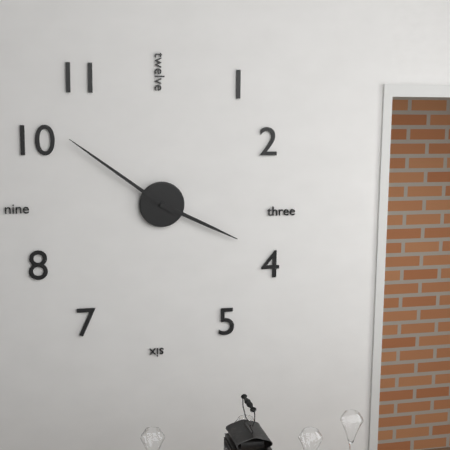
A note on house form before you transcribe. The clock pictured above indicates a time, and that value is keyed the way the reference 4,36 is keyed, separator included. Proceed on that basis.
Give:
3,51
